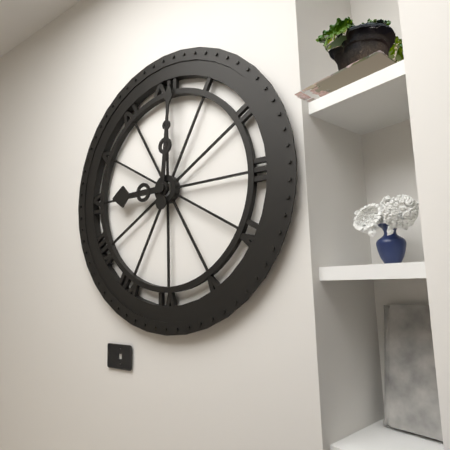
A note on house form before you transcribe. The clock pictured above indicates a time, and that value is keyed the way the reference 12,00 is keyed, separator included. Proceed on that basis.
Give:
9,01
